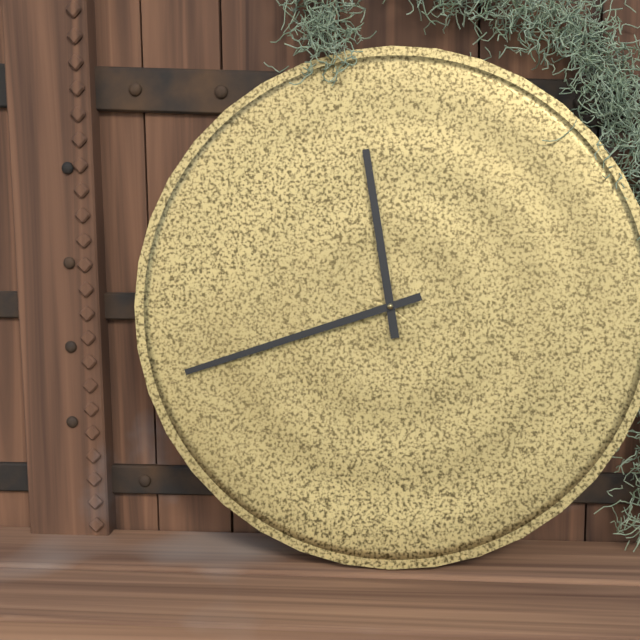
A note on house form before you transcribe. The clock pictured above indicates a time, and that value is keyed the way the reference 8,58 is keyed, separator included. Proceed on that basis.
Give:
11,42
